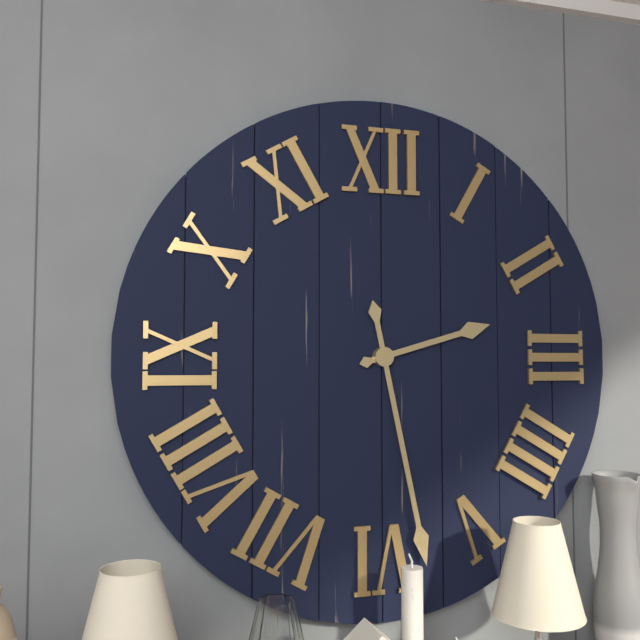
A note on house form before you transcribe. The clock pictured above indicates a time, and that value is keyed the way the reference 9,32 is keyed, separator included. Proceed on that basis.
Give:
2,28
